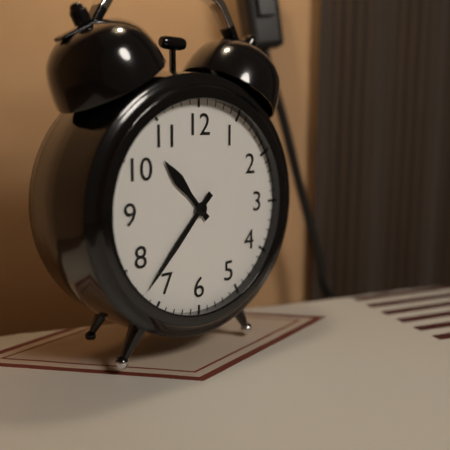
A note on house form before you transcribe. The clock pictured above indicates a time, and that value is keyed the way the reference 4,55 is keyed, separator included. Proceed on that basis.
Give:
10,37
